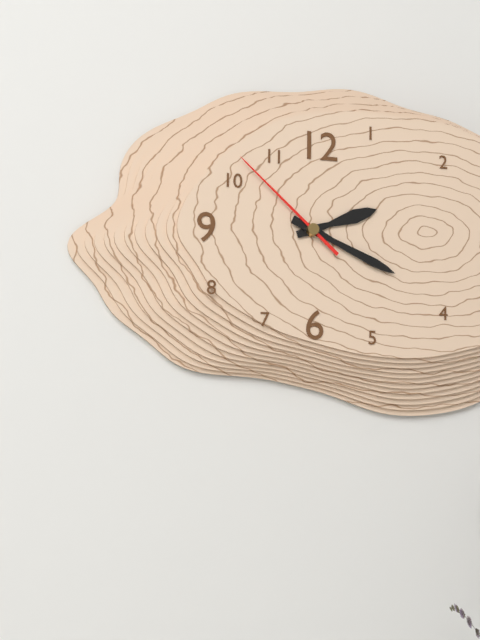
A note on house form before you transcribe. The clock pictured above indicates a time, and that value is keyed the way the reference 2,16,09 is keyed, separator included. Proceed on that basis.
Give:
2,19,52
